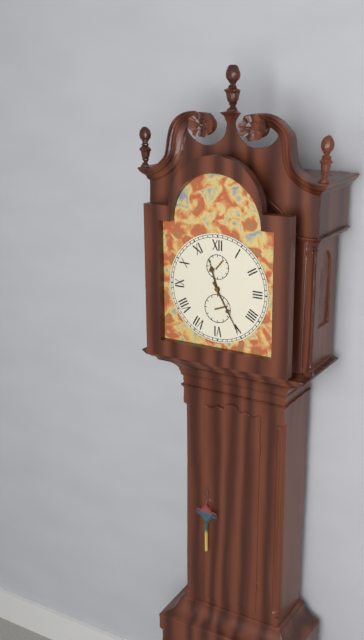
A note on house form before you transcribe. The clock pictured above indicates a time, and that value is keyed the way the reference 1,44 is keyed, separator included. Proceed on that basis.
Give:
11,25
